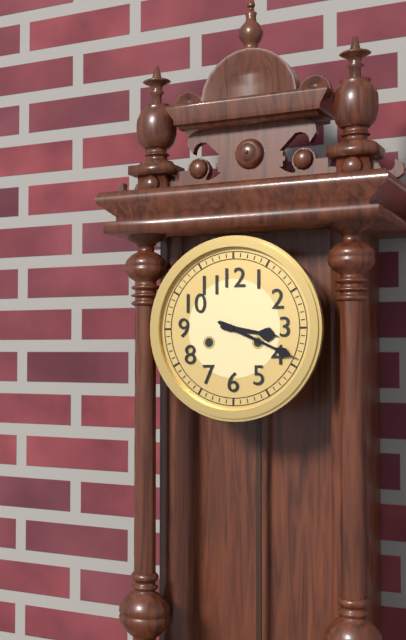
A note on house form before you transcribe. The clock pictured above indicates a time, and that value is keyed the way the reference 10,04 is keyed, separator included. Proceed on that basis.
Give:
3,19
